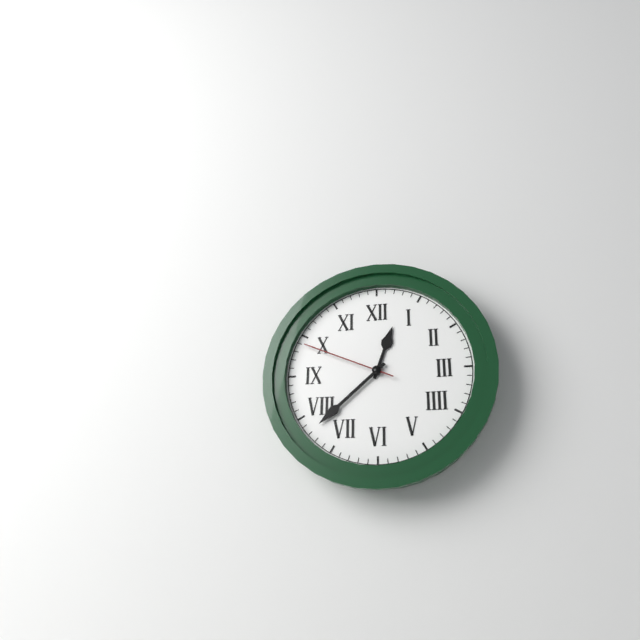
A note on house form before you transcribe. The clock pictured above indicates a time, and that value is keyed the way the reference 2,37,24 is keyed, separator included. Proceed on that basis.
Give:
12,38,49
